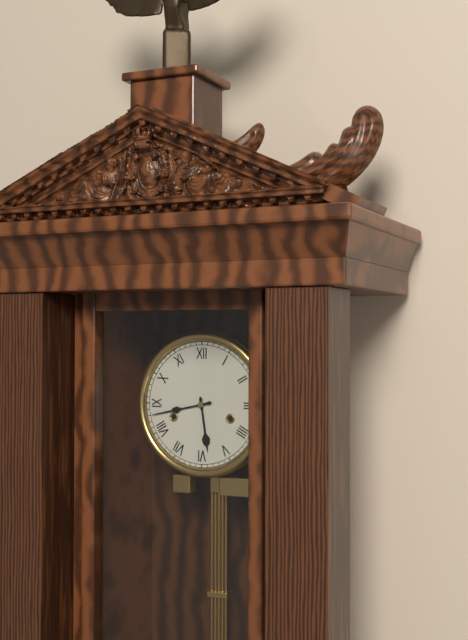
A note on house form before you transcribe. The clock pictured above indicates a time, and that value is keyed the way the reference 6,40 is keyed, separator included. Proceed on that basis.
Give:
5,43
